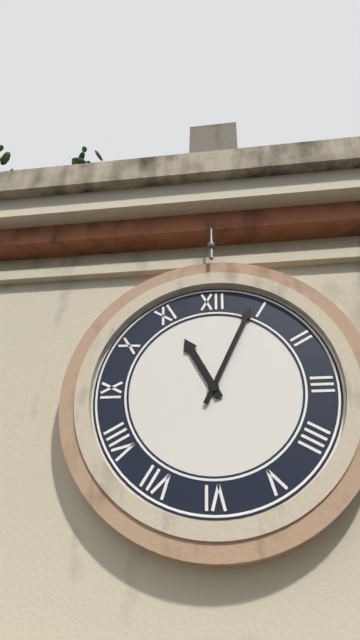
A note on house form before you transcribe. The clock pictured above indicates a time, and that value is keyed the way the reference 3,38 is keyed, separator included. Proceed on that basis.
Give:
11,04
